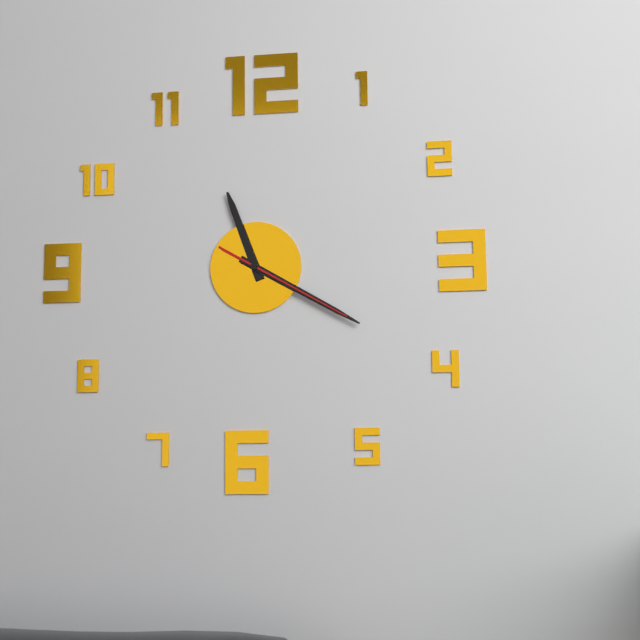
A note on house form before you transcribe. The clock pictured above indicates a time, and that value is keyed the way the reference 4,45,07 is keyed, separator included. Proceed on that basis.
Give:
11,20,20
